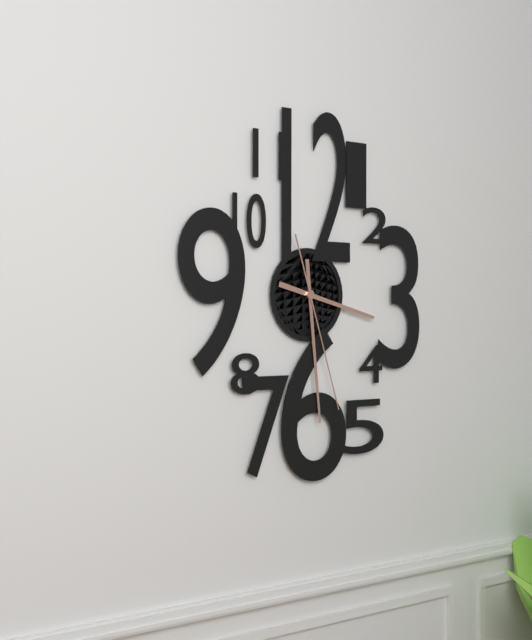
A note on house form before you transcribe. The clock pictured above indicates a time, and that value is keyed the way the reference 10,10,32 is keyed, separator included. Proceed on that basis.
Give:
3,29,27
